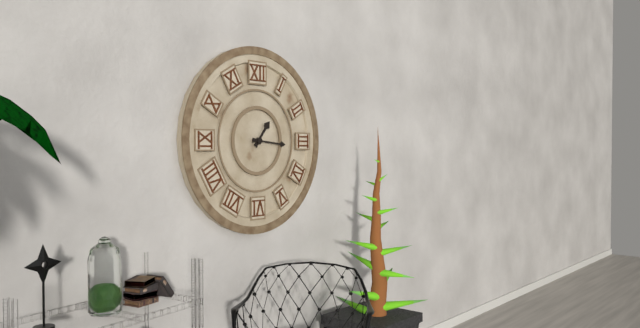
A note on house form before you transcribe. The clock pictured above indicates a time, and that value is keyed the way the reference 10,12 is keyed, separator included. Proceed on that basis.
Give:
1,16
